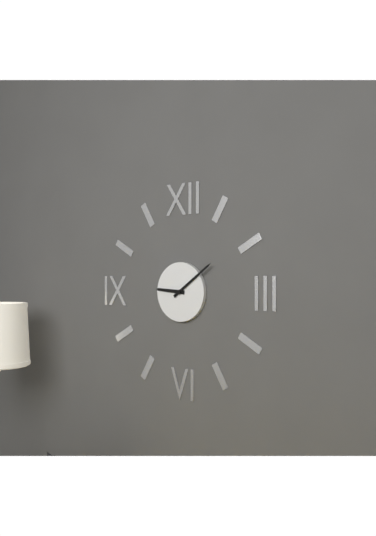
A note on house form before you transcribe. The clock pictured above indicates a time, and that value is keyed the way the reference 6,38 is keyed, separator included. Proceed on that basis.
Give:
9,09
